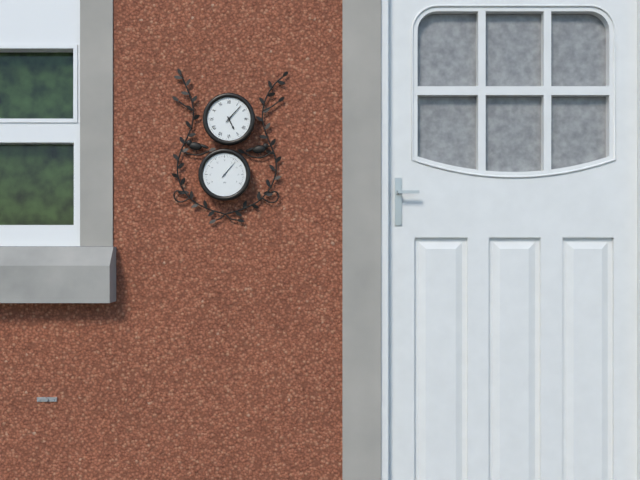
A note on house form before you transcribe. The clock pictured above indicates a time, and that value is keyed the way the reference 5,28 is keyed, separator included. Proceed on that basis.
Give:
5,07
